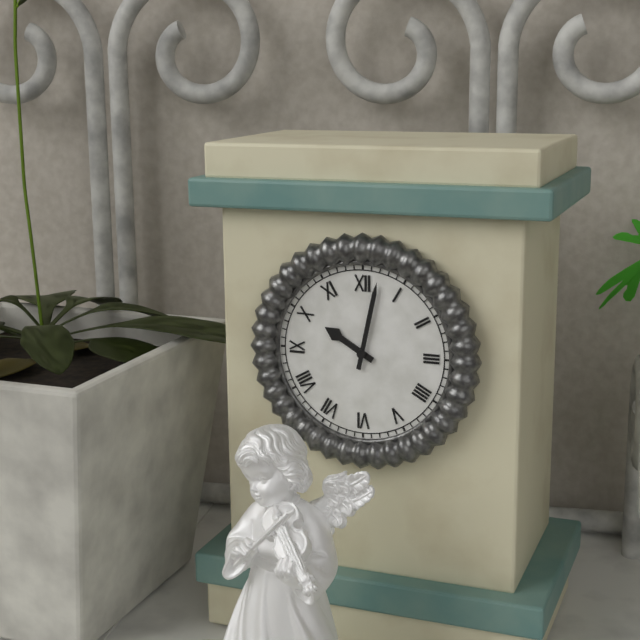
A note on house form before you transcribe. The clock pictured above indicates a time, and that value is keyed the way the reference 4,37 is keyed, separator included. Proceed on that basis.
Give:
10,02
